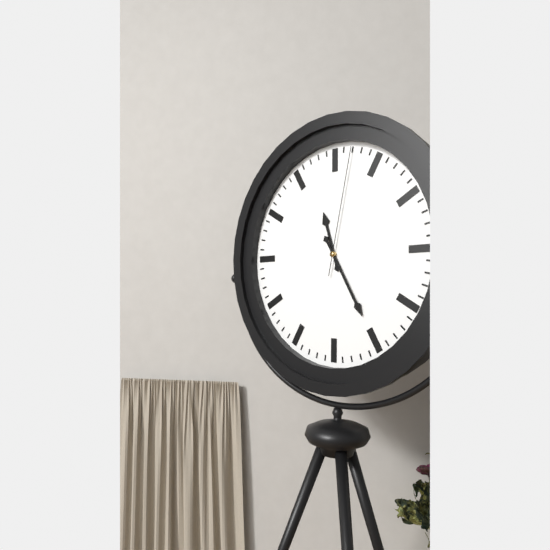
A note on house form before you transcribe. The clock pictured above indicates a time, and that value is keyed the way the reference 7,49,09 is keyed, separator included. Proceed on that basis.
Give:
11,25,02
